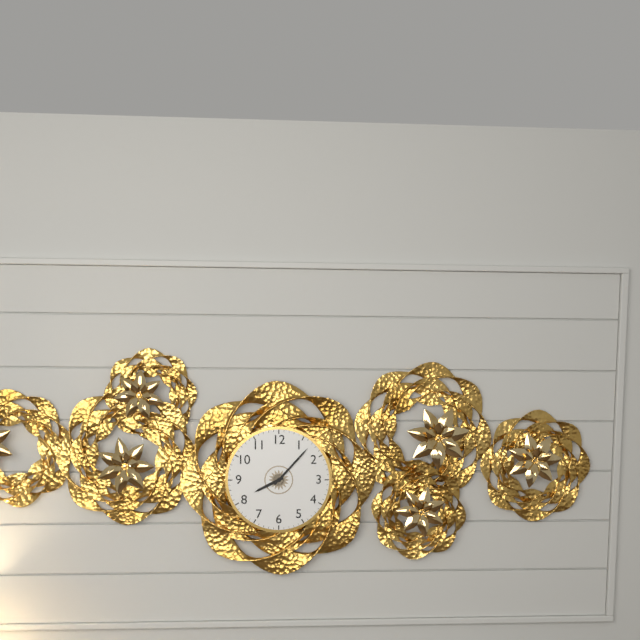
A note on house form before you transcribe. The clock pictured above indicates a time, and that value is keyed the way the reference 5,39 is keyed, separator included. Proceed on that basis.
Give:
8,07
